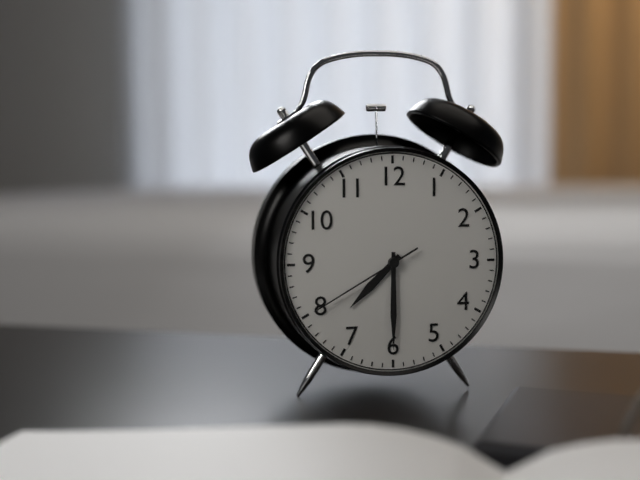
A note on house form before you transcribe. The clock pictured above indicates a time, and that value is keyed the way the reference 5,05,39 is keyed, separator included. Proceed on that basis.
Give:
7,30,40
